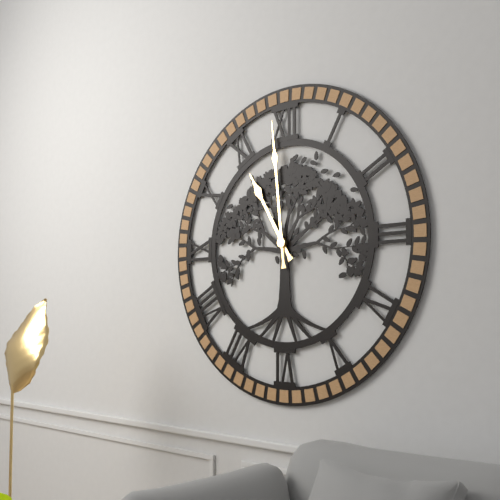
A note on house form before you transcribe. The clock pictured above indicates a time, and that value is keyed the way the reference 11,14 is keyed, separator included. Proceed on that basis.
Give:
10,59
